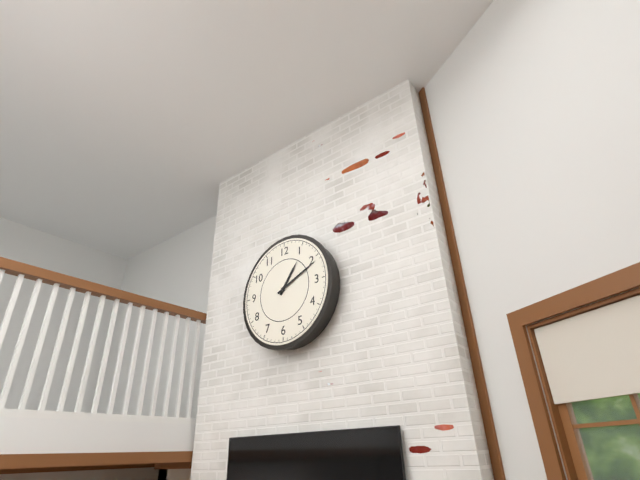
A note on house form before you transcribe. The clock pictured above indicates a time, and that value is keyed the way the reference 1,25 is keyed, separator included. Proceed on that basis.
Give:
1,11
